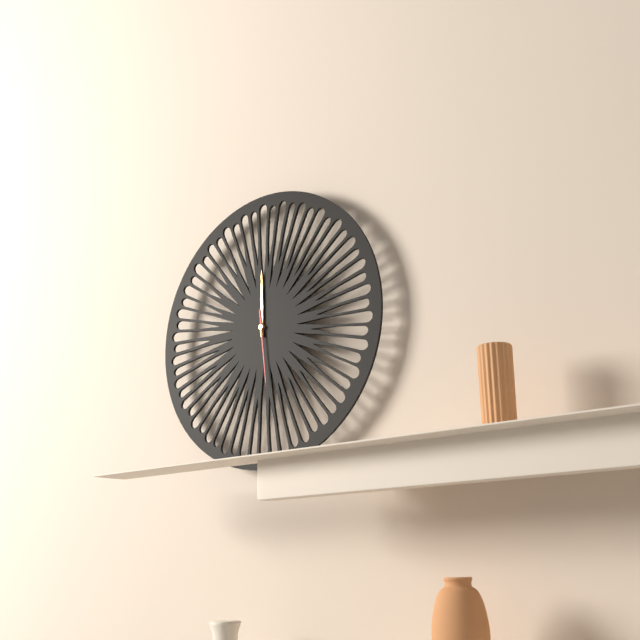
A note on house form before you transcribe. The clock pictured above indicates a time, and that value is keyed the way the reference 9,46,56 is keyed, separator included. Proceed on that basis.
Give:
12,00,29
